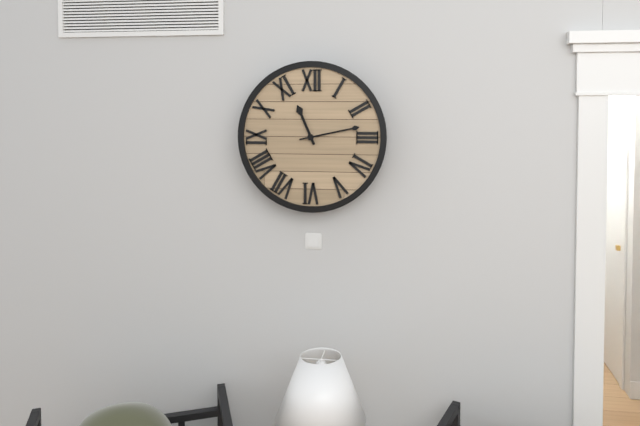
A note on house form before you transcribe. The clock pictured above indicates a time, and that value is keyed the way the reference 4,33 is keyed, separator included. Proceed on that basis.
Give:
11,13
